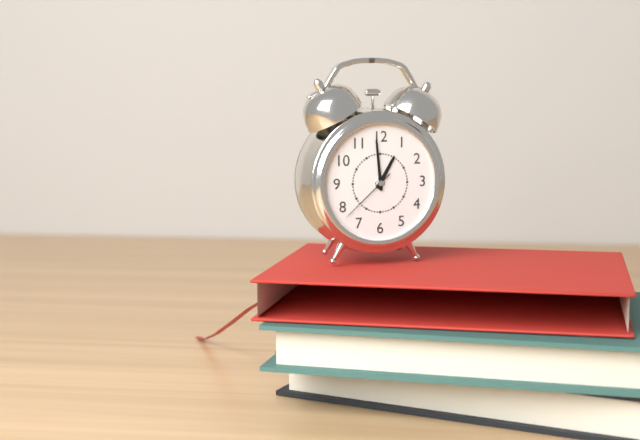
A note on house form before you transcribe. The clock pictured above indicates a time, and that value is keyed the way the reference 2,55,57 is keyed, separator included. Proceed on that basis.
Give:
12,59,38
